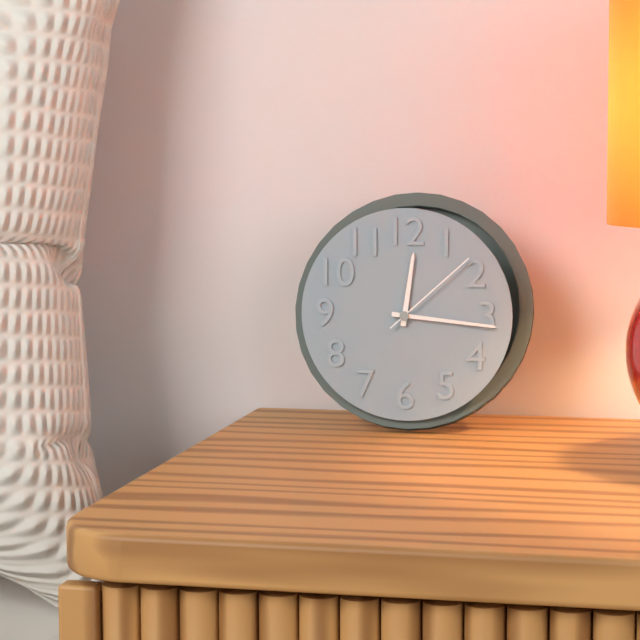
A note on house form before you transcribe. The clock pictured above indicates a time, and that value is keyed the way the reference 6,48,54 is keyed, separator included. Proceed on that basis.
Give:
12,16,08
